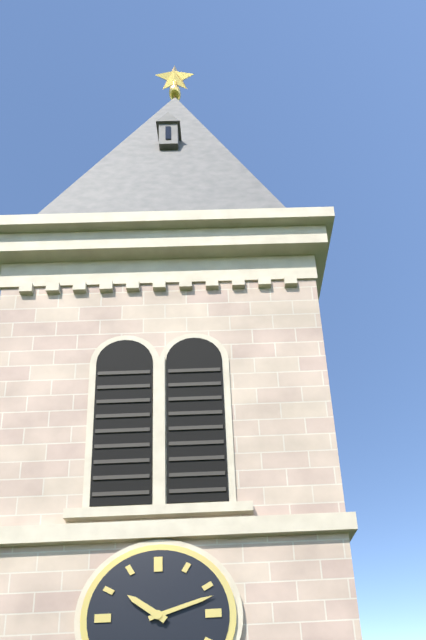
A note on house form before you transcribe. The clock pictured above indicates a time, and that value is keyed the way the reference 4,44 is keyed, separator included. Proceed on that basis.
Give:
10,12
